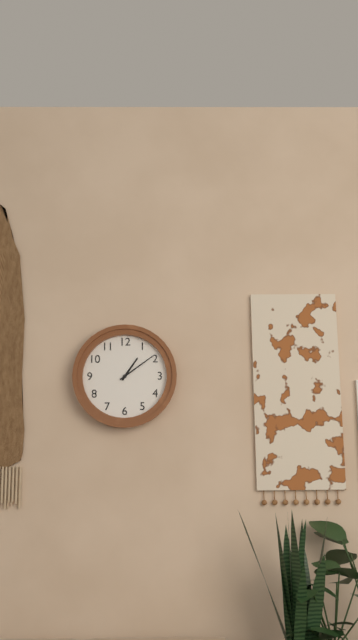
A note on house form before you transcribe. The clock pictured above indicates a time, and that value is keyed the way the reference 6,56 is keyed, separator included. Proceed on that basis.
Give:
1,09
